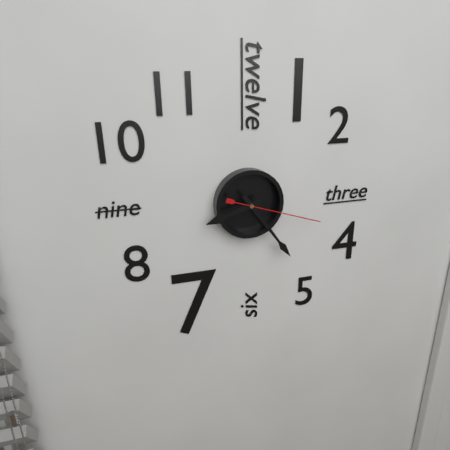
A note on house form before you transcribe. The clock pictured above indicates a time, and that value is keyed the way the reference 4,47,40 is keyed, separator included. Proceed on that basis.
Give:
8,24,18
